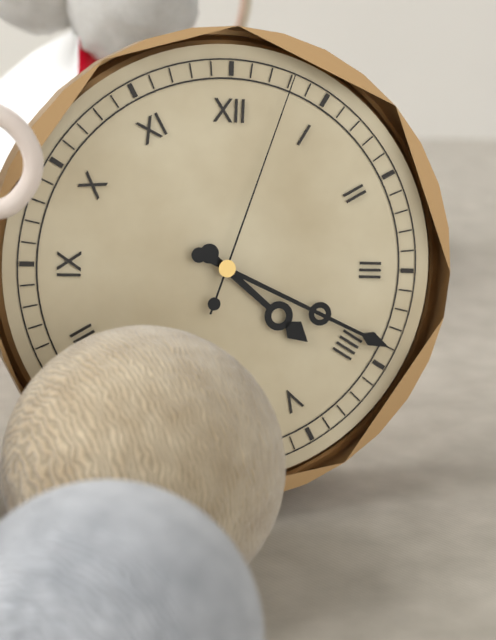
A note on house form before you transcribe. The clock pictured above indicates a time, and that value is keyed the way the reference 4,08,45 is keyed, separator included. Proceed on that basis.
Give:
4,19,03
